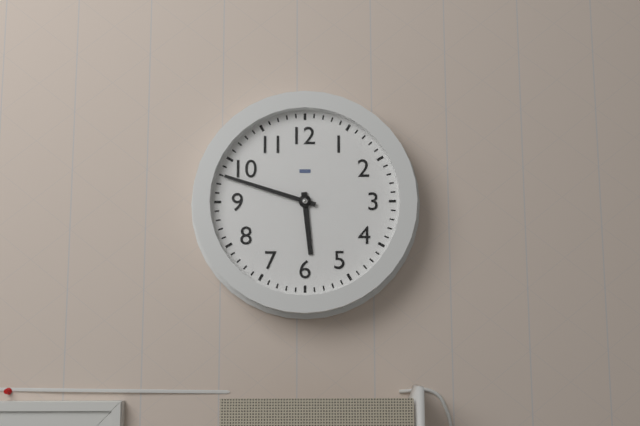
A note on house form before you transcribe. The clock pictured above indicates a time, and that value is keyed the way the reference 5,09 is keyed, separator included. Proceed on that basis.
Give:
5,48
